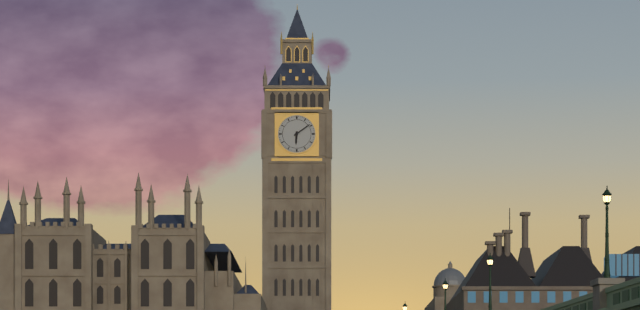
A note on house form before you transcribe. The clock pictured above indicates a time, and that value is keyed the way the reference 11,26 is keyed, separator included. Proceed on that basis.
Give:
6,09
